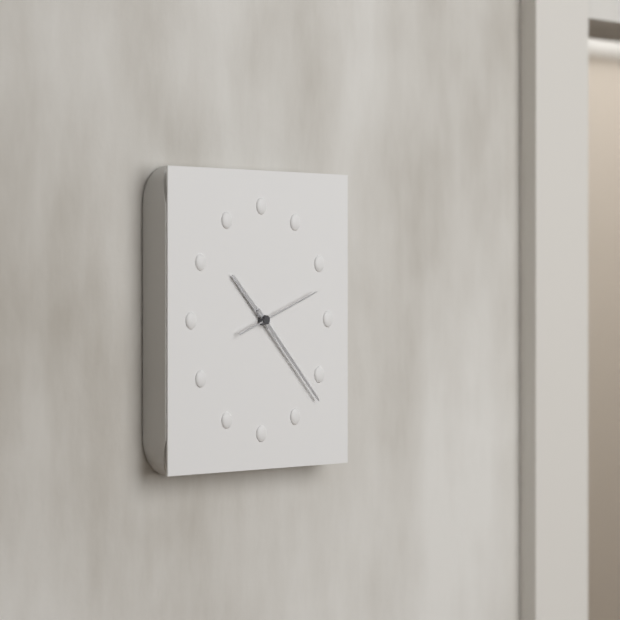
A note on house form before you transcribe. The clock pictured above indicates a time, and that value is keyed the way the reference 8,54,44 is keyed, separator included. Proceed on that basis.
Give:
10,22,12
